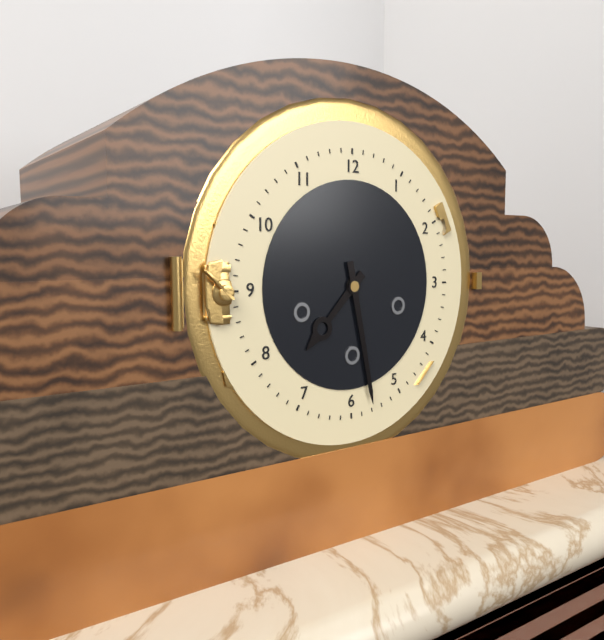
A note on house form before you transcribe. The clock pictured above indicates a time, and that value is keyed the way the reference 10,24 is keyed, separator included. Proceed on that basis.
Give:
7,28
